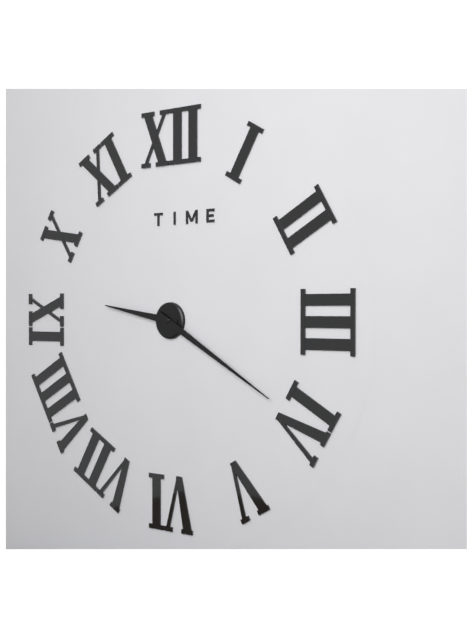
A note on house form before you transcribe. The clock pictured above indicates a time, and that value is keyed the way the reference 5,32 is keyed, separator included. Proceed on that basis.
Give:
9,20
